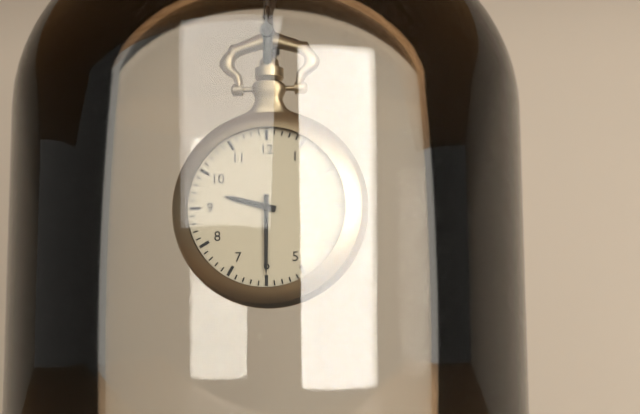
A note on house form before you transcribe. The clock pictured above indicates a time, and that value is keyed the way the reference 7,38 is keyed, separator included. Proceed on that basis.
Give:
9,30
